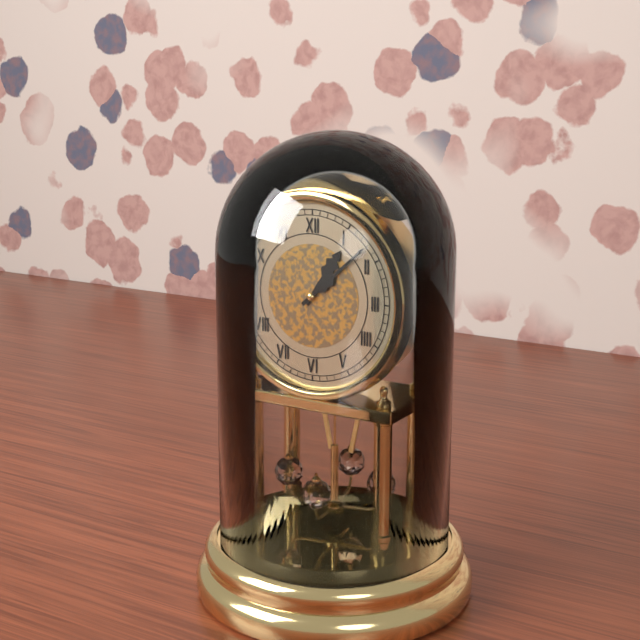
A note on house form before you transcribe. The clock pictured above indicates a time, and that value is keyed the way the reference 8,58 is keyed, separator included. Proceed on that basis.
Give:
1,08
